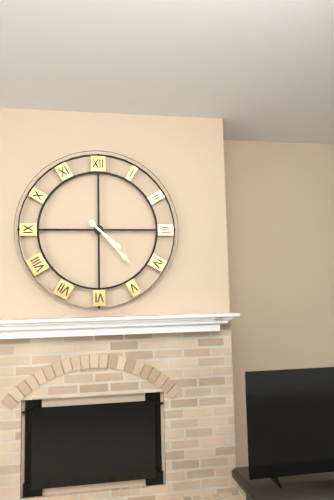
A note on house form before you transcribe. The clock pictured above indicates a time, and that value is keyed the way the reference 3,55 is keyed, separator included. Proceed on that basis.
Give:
4,23
